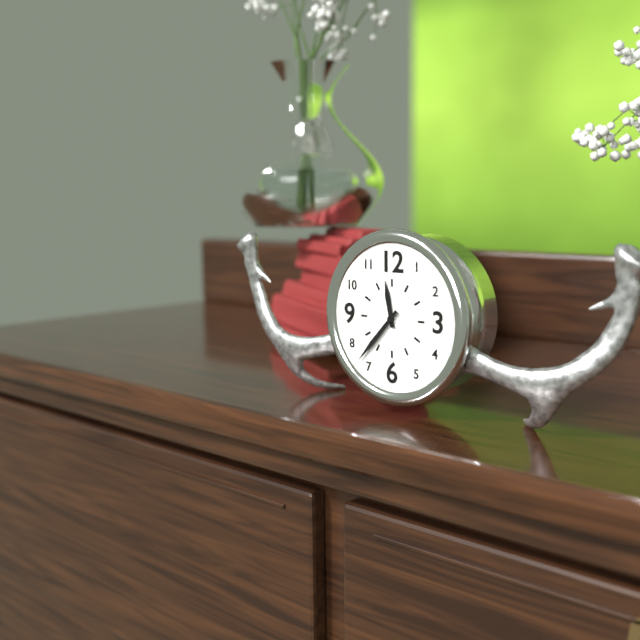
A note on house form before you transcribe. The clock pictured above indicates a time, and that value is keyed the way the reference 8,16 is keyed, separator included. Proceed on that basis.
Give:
11,37
